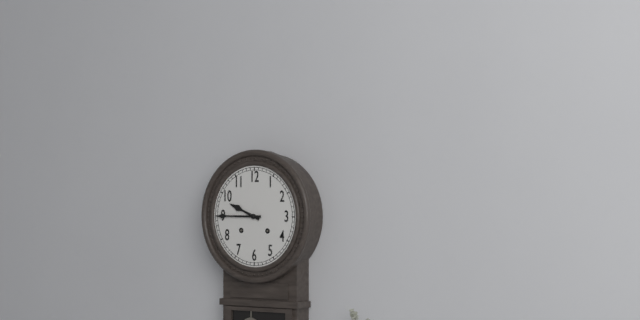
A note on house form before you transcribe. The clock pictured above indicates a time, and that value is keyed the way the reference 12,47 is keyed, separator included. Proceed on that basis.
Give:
9,45
